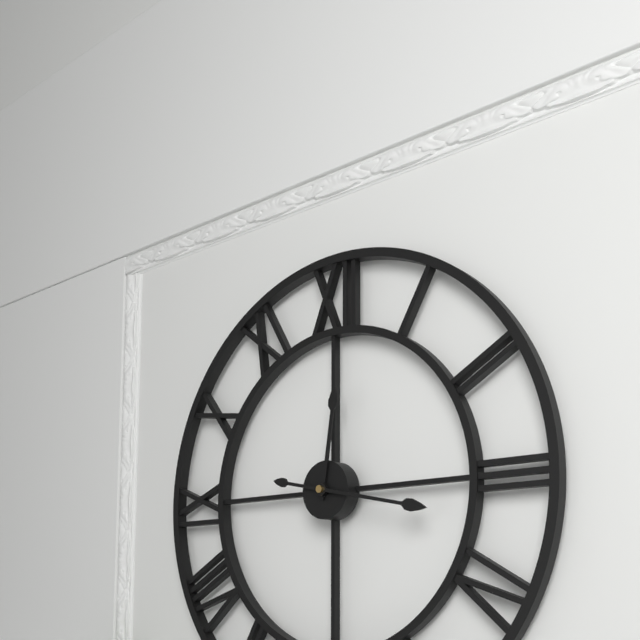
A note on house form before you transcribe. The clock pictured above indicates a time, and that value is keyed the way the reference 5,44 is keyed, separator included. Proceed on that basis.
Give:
12,17
